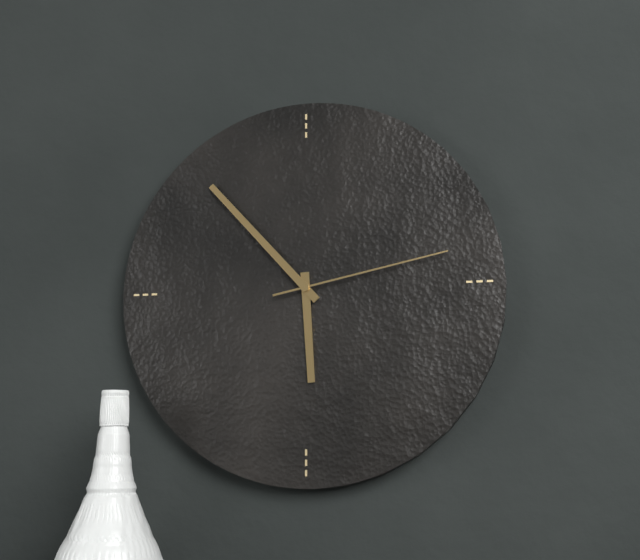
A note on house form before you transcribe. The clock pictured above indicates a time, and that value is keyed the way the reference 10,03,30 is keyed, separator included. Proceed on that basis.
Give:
5,53,13
